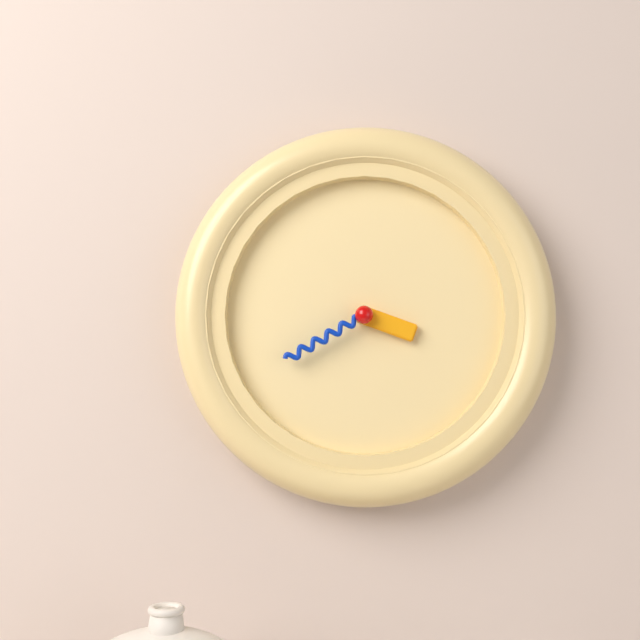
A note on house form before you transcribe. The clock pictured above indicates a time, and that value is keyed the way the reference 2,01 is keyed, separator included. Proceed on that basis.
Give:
3,40
